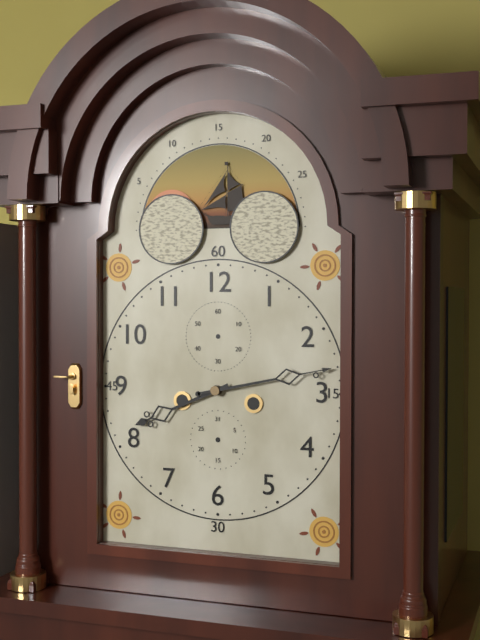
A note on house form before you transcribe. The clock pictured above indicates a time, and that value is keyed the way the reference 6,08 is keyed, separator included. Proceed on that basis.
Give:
8,13
